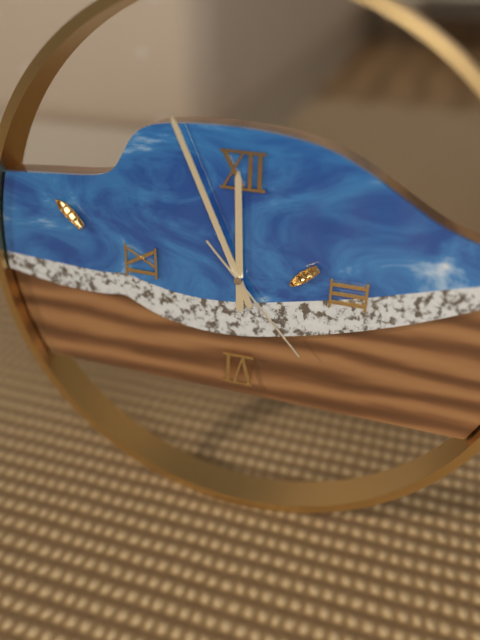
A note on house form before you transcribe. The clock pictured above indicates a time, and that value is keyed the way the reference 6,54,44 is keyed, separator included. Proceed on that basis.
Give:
11,56,23
